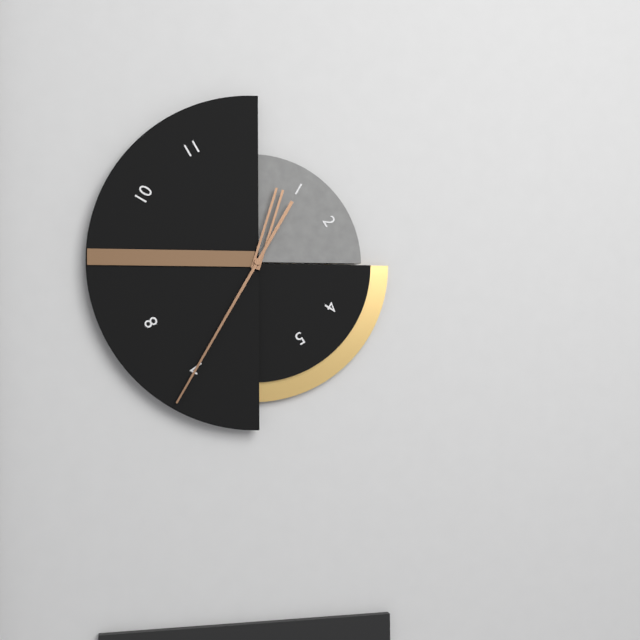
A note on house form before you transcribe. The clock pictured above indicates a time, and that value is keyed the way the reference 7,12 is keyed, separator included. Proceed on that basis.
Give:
12,35
